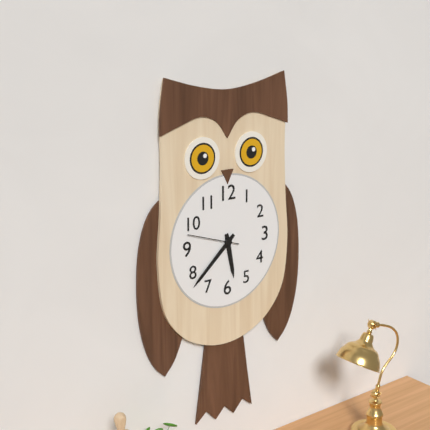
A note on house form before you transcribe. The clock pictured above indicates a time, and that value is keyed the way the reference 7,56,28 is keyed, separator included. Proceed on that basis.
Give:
5,38,48
